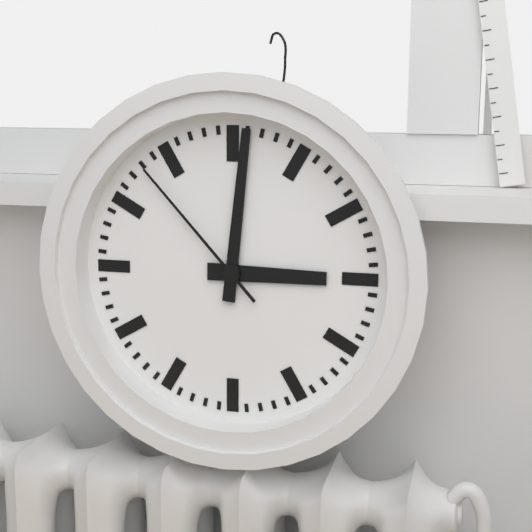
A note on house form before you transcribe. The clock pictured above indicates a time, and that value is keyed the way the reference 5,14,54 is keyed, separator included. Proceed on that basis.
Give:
3,01,53
